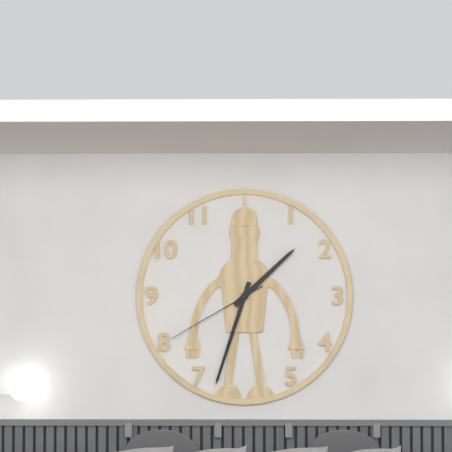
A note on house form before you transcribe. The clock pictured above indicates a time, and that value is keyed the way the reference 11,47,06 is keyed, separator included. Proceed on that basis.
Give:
1,33,40
